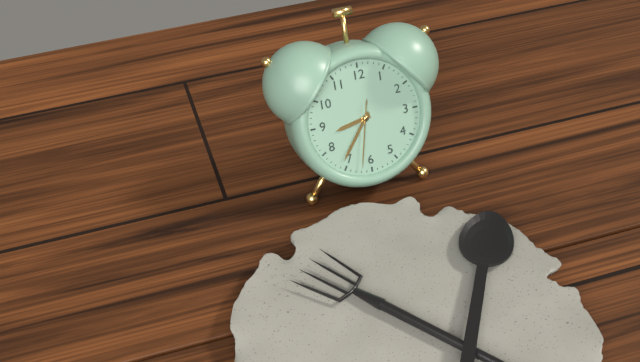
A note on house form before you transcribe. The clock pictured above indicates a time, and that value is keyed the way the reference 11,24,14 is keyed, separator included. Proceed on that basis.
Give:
8,36,32
